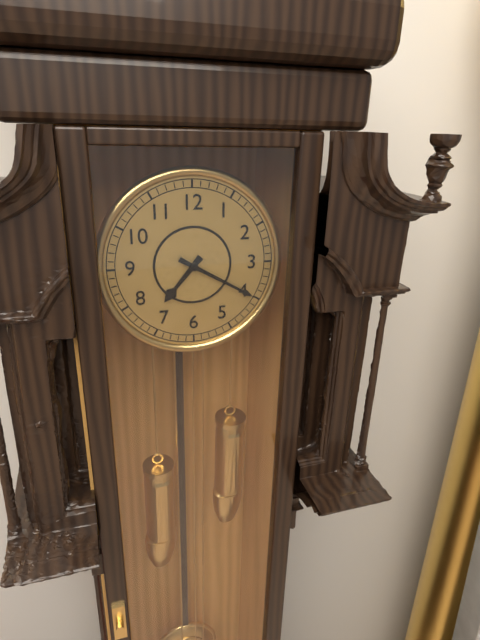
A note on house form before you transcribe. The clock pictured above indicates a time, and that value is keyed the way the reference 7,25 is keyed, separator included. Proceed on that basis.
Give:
7,20
